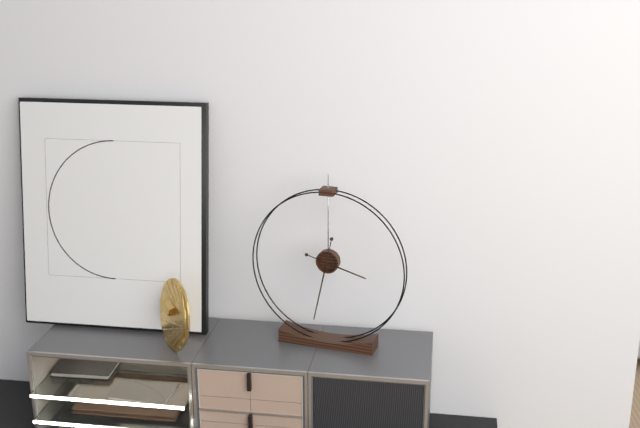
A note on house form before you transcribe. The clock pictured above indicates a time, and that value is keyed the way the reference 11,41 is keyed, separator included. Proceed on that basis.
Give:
3,32
